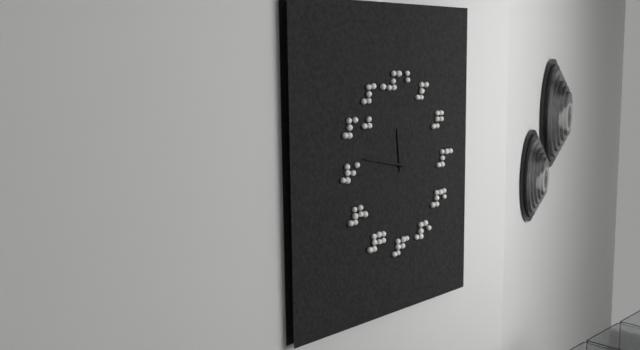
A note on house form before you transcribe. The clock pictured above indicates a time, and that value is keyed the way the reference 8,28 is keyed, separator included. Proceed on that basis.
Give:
11,47
